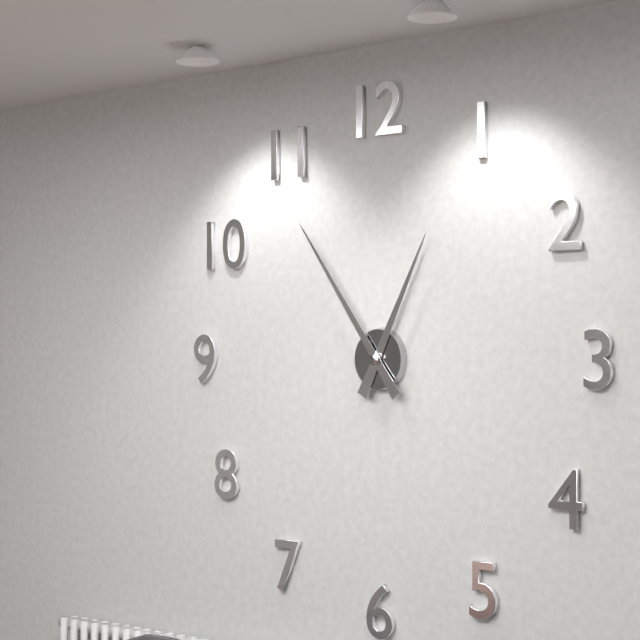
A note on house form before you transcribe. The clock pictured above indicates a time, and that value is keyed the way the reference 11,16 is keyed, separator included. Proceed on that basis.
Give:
12,54
